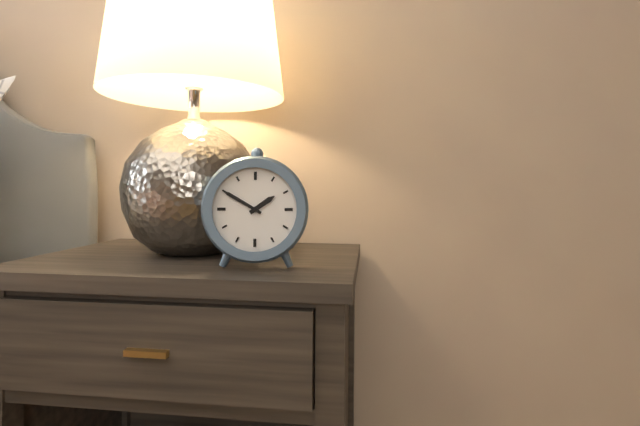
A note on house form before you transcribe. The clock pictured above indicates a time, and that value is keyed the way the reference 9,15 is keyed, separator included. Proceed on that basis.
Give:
1,50
